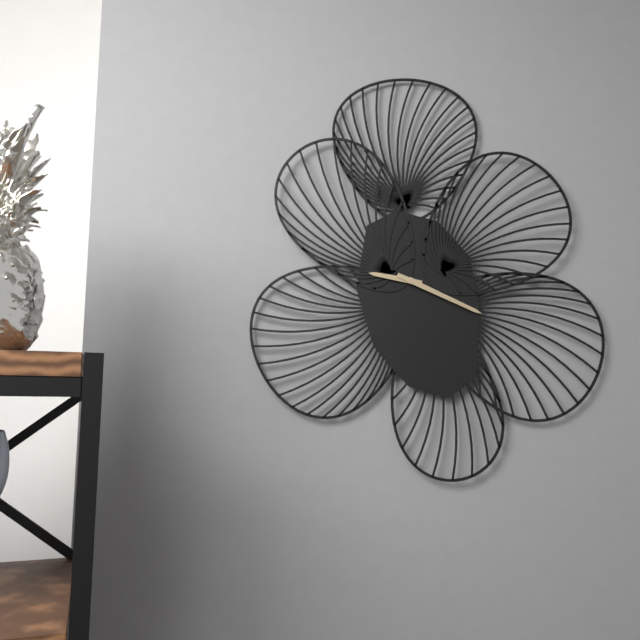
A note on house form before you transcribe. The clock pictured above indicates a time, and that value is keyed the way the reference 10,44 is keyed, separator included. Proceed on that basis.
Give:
9,19
